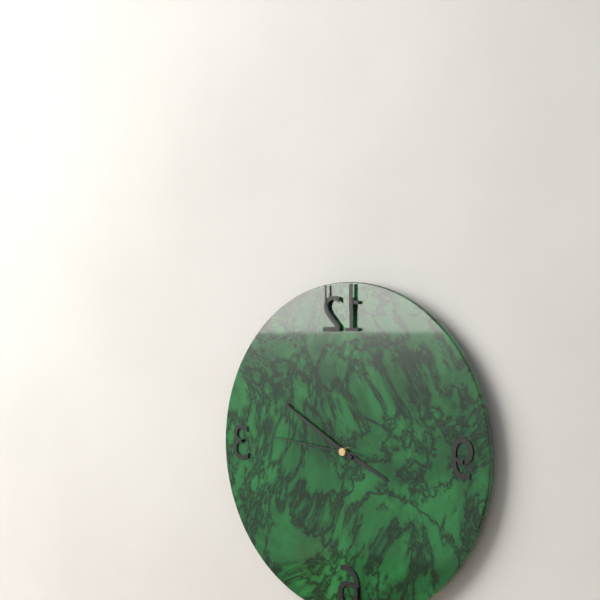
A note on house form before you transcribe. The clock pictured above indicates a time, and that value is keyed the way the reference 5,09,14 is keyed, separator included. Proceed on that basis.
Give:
3,50,46
